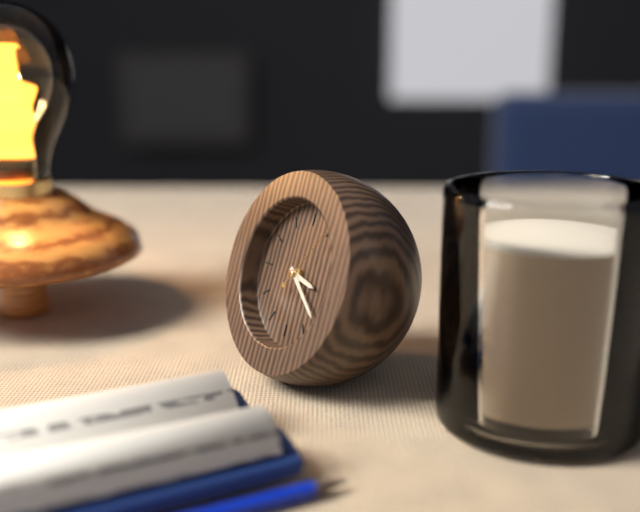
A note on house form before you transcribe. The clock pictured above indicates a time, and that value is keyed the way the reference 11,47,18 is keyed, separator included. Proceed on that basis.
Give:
3,21,06
